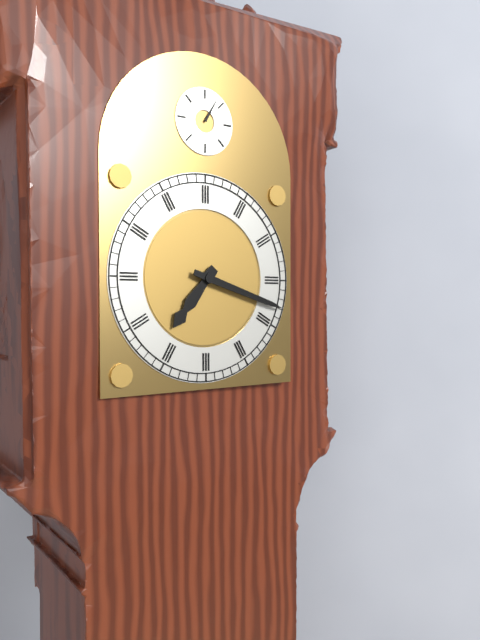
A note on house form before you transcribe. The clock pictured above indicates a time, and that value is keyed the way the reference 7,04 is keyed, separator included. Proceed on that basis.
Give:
7,18
